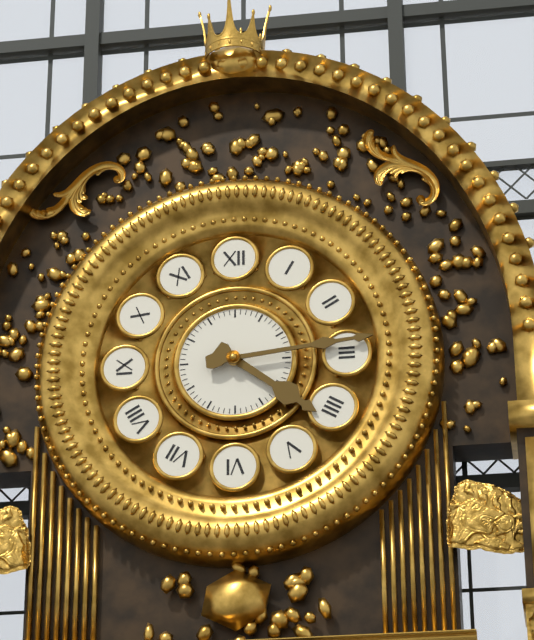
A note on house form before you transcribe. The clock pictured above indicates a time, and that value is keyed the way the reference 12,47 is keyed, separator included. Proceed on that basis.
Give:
4,14
